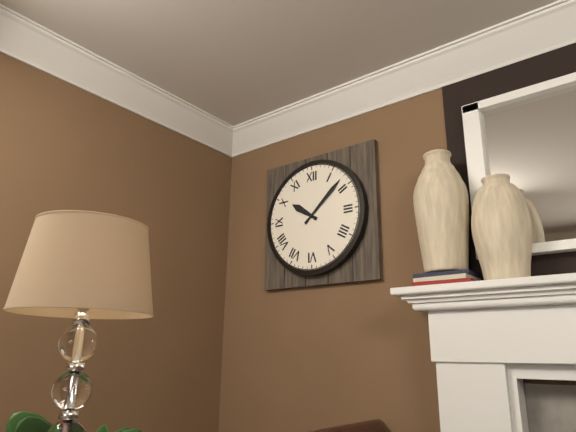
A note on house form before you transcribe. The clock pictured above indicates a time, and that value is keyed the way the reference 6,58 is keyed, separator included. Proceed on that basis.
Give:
10,08
